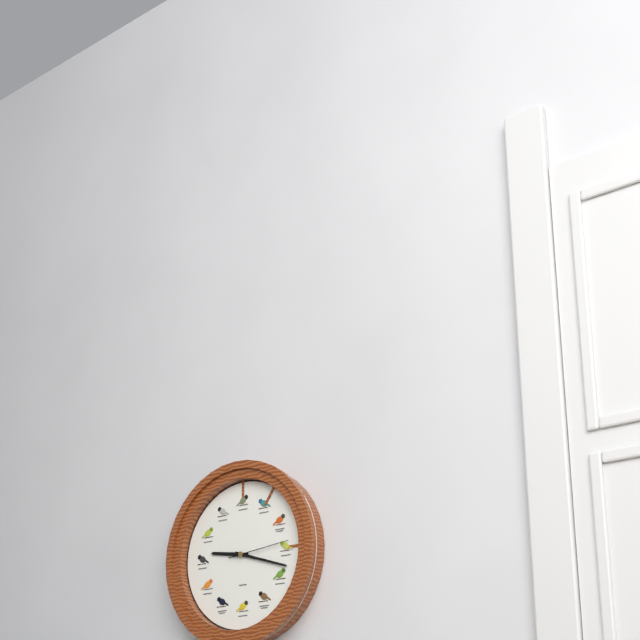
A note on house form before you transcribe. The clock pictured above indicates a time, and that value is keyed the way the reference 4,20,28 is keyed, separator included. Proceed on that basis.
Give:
9,18,14
